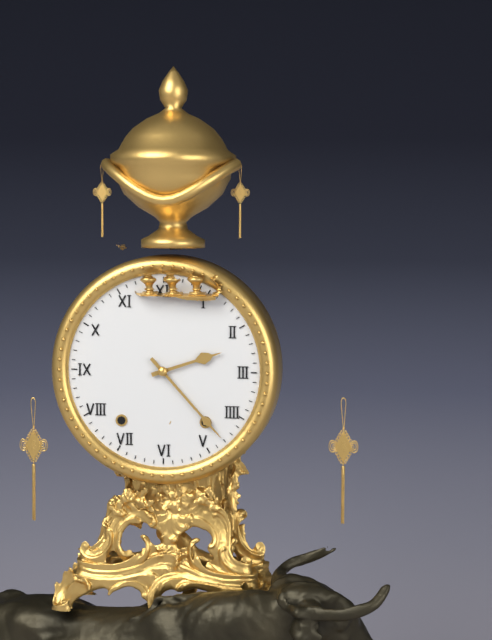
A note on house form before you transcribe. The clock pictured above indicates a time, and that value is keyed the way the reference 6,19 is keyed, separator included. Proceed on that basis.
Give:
2,23
